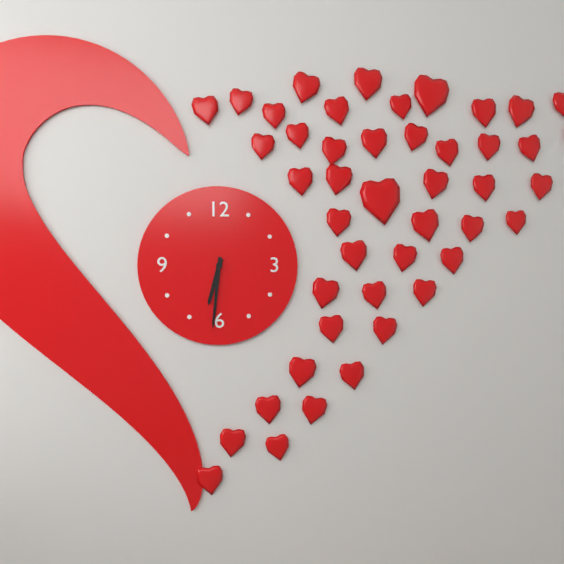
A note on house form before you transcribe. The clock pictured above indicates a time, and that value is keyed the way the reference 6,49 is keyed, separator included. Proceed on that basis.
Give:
6,31
